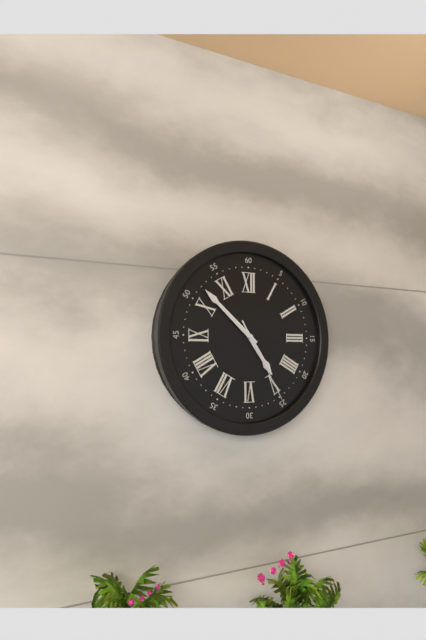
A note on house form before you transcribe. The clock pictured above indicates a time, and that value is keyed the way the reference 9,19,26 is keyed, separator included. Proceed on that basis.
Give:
4,52,25
